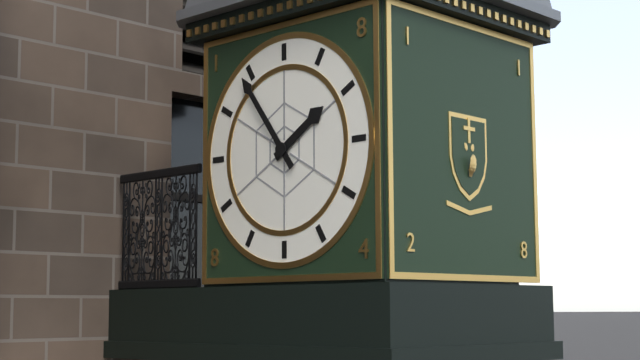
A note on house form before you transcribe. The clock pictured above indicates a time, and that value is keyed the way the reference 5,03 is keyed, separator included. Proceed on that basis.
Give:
1,54
